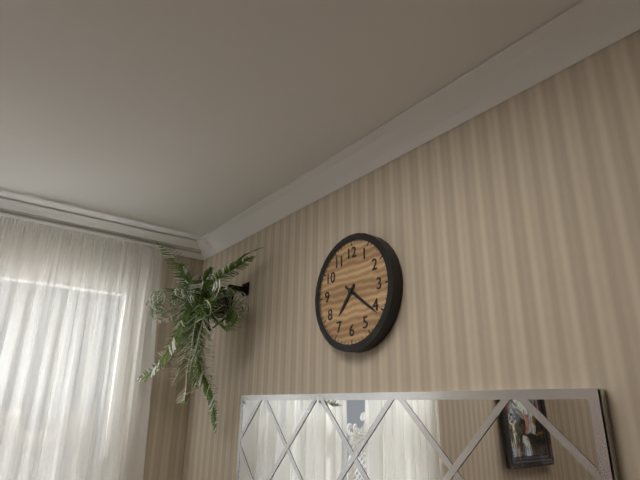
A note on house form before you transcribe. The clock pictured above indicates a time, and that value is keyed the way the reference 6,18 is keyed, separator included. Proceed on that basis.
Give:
7,21
